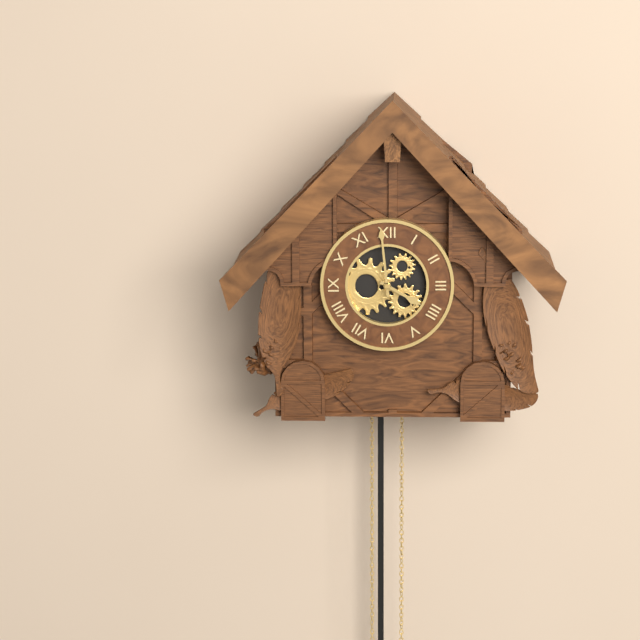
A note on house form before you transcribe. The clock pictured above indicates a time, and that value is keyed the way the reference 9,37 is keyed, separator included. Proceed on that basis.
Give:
3,59
